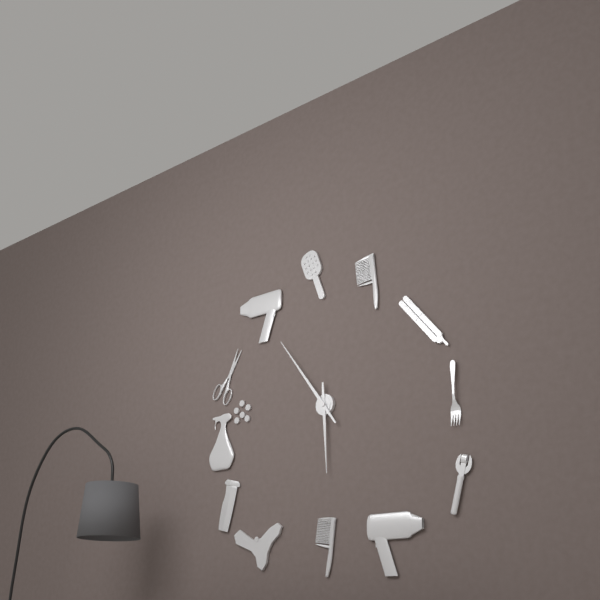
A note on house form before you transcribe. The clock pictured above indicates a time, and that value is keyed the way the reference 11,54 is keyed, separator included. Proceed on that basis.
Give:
5,54
